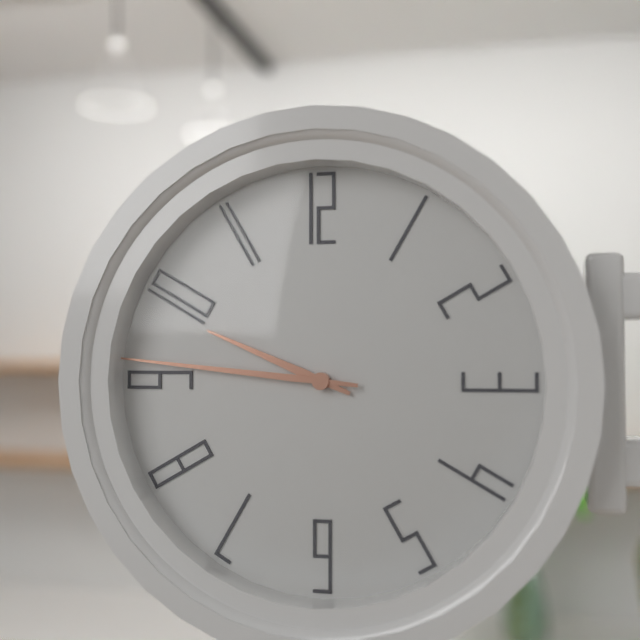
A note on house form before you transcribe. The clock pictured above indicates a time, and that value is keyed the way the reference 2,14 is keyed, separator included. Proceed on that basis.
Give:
9,46
